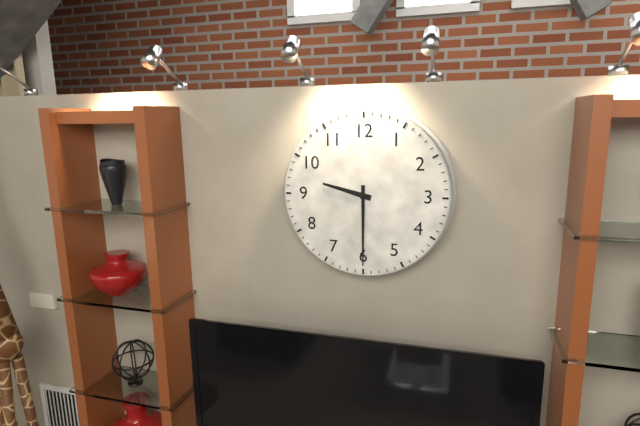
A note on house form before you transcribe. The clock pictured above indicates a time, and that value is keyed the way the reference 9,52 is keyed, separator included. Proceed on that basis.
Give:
9,30
